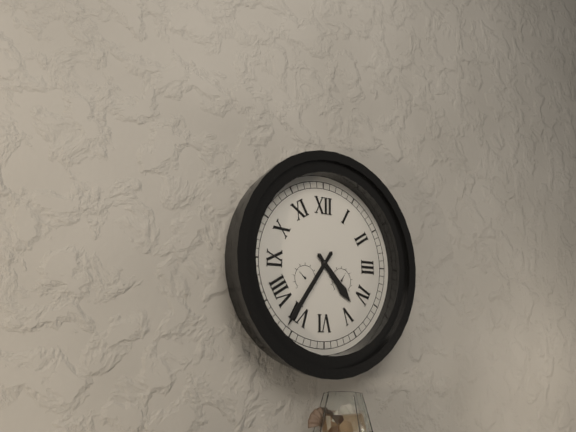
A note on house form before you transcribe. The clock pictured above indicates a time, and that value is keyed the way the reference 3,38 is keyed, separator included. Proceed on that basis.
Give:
4,36
